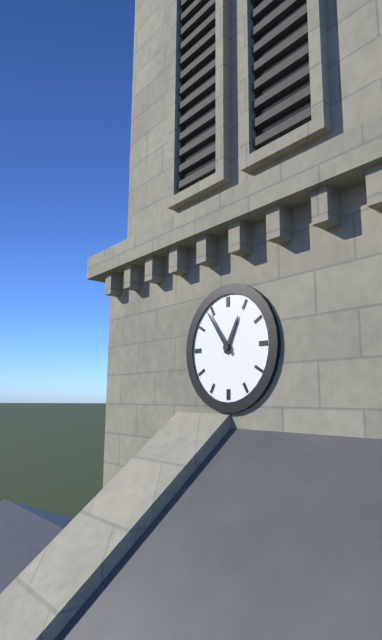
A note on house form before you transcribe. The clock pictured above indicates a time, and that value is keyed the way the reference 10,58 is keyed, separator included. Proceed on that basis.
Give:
12,54
